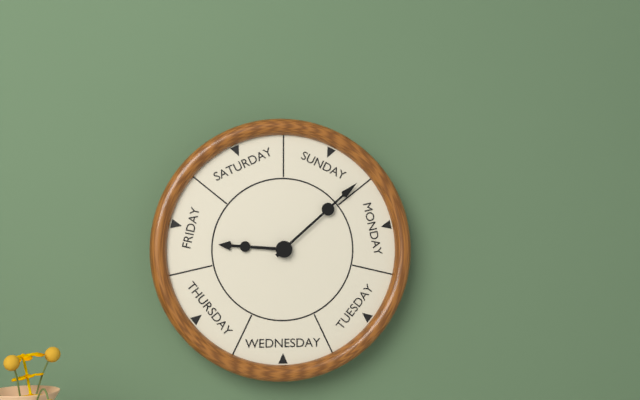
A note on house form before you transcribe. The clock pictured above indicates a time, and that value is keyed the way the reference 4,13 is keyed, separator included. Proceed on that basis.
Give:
9,08
